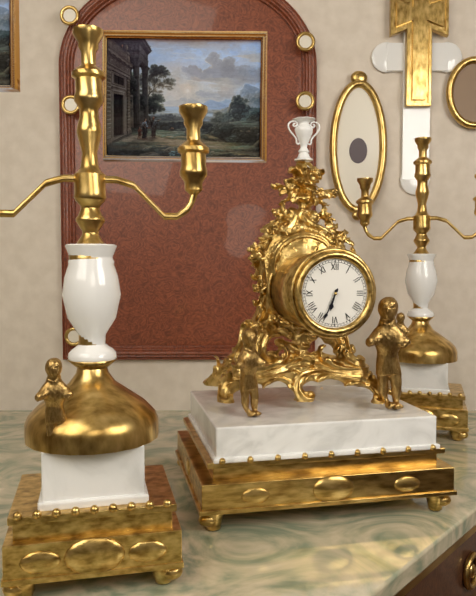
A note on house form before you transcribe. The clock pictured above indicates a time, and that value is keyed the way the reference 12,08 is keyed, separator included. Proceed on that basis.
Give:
6,34
